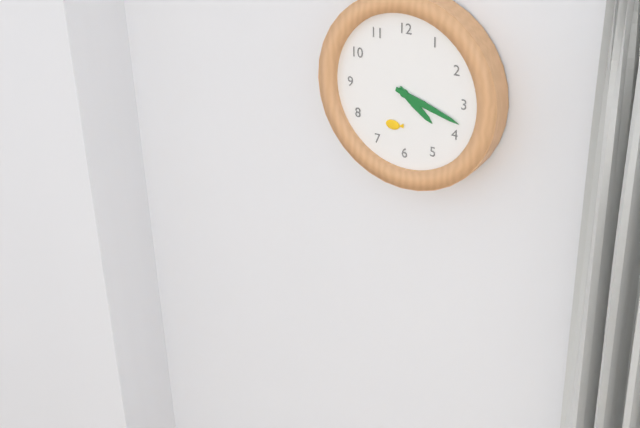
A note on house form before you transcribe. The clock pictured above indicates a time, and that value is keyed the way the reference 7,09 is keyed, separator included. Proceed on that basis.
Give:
4,18
